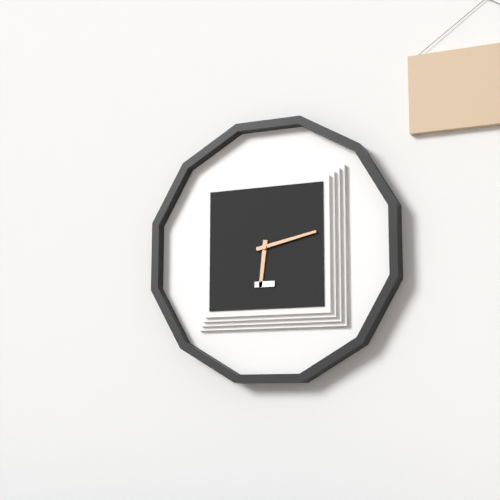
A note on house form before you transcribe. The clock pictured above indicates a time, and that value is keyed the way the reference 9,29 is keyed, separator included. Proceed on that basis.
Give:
6,13
